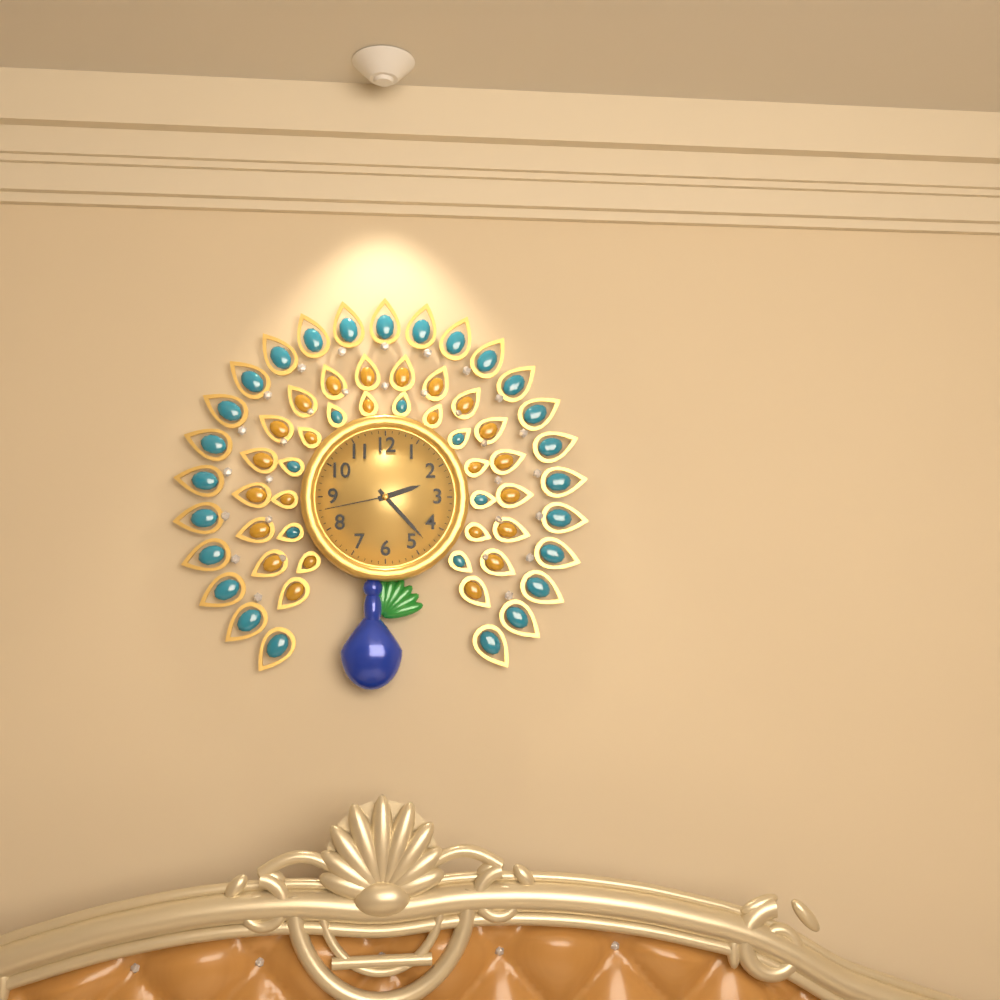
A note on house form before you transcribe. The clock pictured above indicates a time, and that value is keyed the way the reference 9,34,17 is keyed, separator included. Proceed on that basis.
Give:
2,23,43
